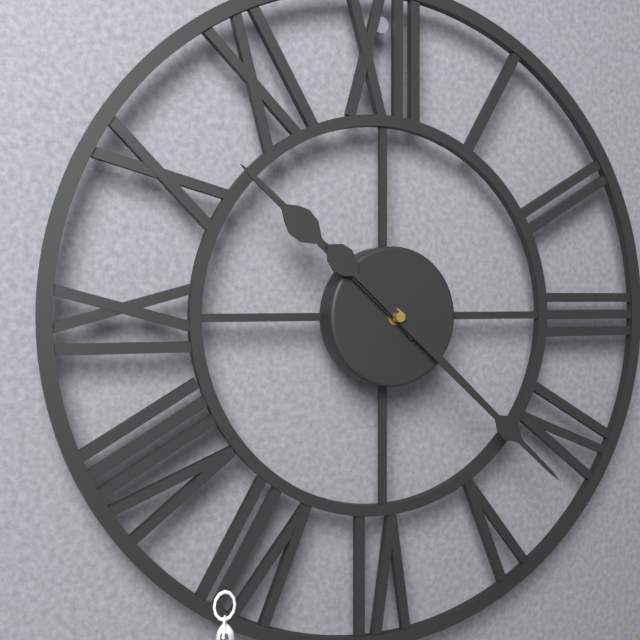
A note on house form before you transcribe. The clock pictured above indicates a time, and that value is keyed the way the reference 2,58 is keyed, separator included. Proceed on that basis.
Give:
10,22
